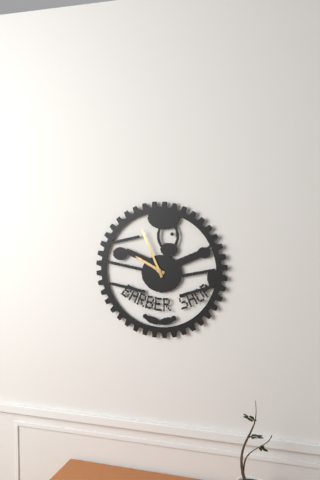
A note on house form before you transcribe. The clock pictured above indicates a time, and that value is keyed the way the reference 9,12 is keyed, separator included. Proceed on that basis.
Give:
9,56
